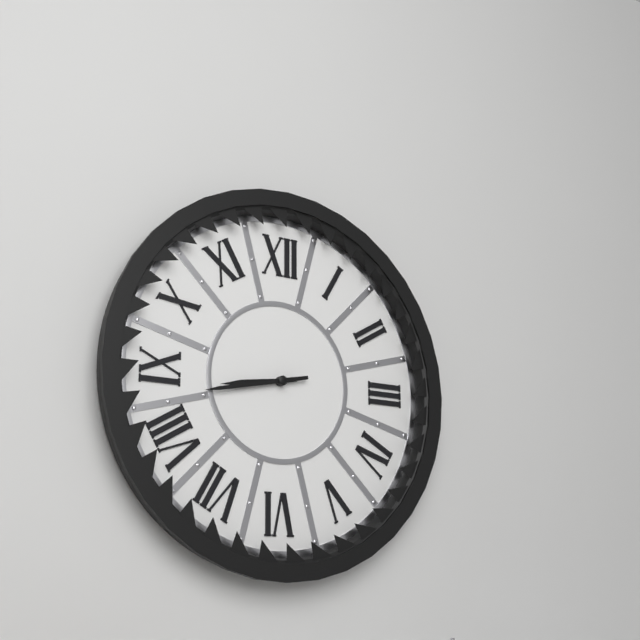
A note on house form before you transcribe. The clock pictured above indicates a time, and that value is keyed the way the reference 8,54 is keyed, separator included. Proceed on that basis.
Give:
8,43
